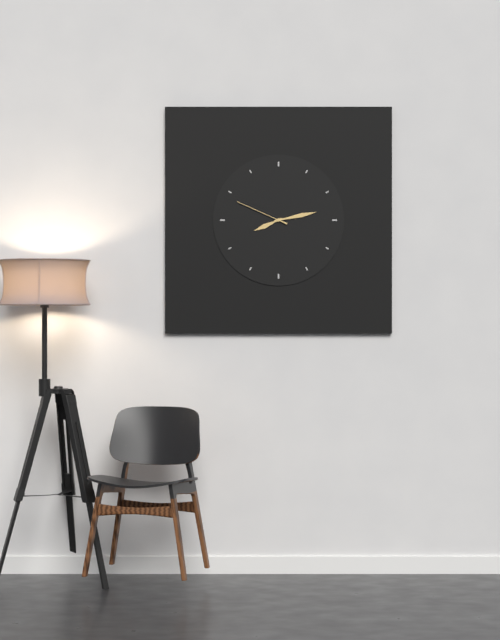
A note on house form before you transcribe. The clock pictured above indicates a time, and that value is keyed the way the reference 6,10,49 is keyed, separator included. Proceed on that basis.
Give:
8,13,49
